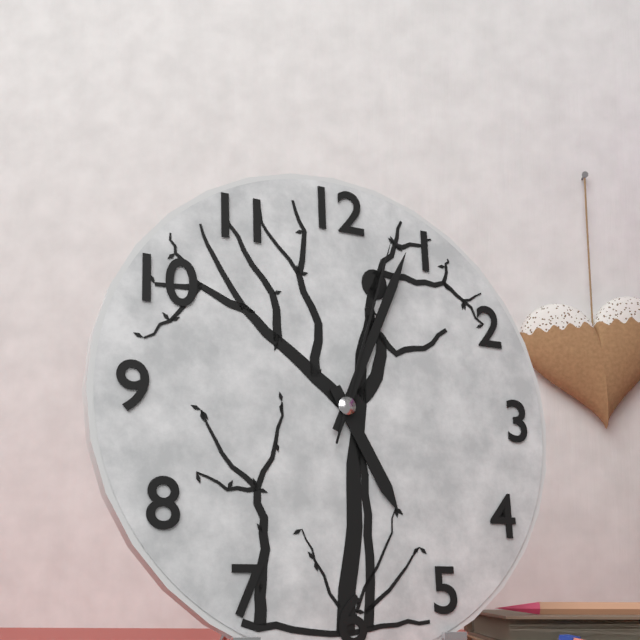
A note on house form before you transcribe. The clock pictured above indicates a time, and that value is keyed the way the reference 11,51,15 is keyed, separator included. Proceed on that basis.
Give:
5,04,03
